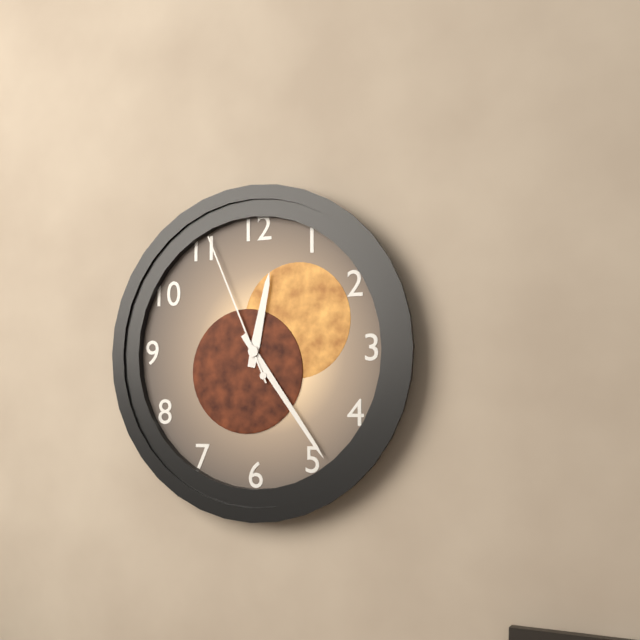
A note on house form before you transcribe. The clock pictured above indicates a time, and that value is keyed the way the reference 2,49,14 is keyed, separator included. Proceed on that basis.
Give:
12,24,56
